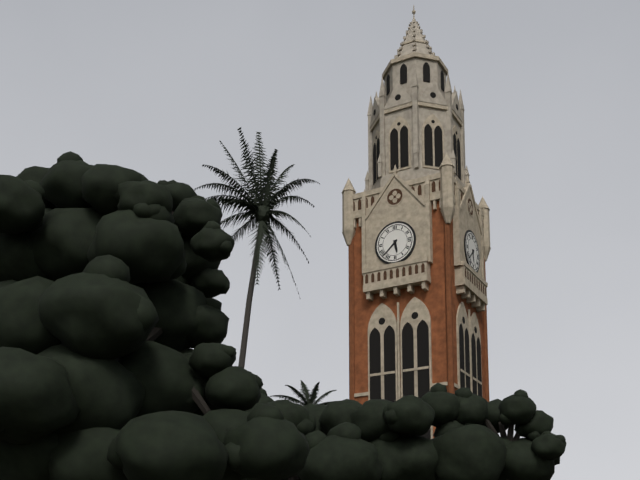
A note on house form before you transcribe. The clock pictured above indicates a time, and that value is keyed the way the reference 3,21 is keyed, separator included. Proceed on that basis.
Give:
5,38
